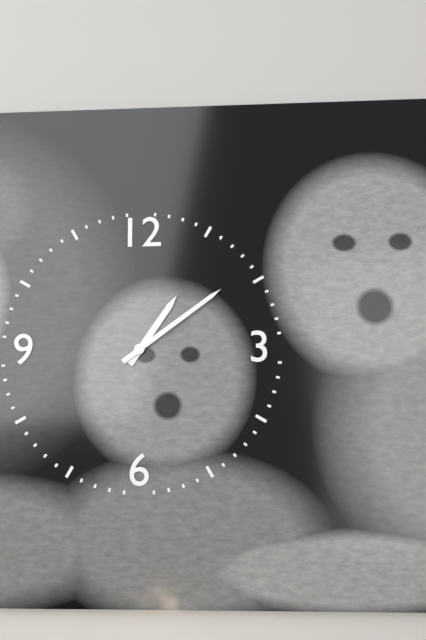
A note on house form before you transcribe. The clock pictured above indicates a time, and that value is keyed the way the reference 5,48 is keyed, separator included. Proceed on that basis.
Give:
1,09
